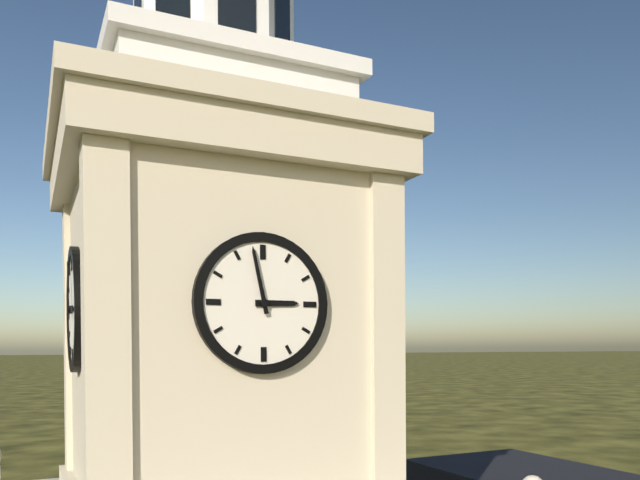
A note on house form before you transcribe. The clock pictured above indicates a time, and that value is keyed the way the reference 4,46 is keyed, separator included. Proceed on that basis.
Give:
2,58
